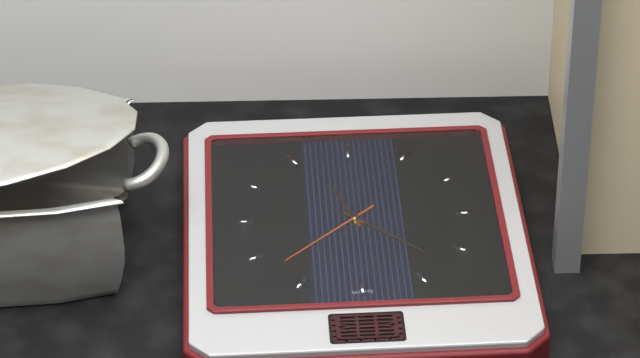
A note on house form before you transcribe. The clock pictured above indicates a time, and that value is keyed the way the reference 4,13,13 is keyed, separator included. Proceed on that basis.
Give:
11,22,38
